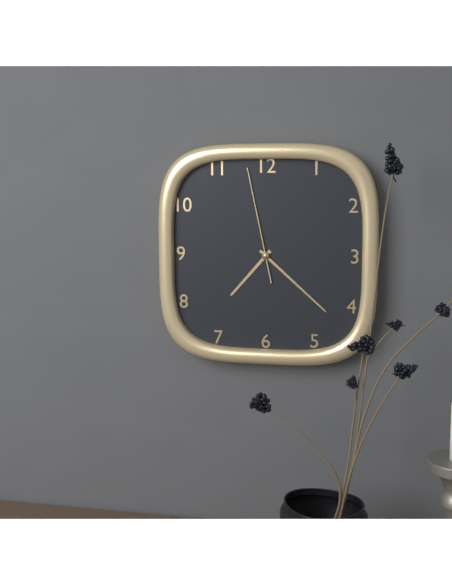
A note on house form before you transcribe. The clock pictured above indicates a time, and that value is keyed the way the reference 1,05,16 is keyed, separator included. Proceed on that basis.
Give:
7,22,58
